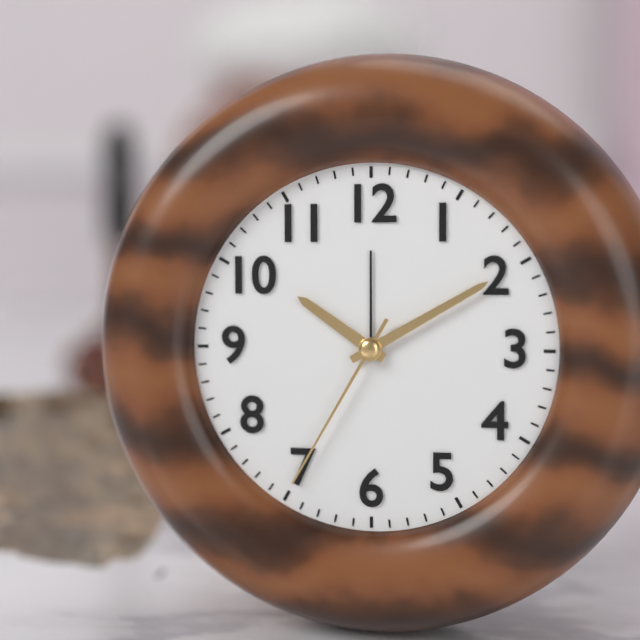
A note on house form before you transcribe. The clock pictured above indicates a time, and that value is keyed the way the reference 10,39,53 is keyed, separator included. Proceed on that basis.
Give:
10,10,35
